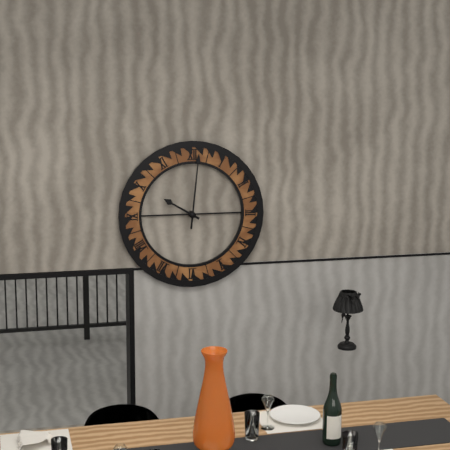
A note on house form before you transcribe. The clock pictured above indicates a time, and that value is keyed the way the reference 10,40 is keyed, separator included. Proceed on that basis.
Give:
10,01
